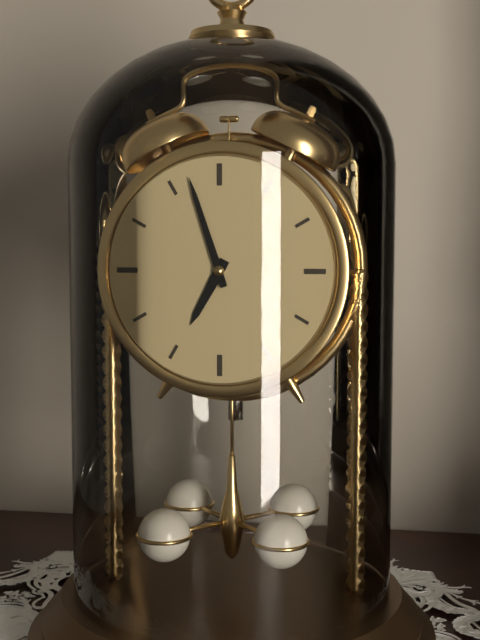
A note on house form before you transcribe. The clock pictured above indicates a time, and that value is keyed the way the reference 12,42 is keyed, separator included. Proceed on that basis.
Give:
6,57
